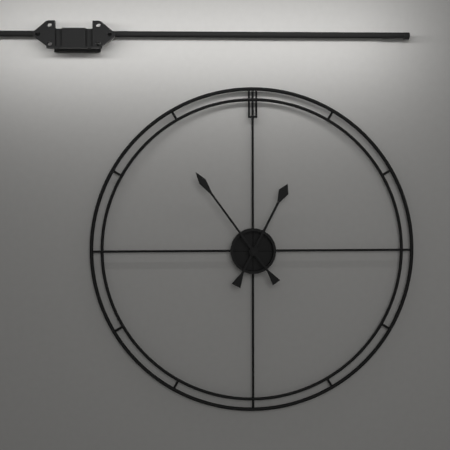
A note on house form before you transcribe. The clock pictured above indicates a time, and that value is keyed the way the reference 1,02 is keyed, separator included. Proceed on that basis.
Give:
12,54
